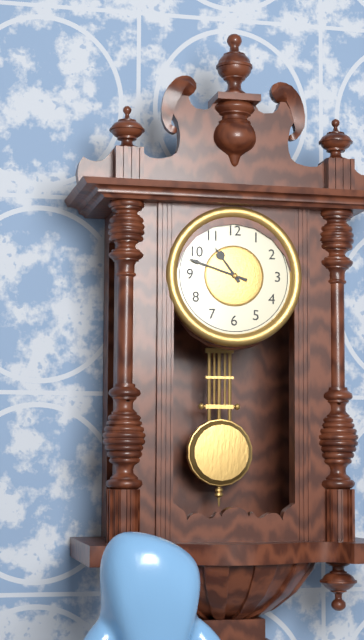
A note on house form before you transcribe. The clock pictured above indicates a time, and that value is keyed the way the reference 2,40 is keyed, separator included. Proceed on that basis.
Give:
10,48
